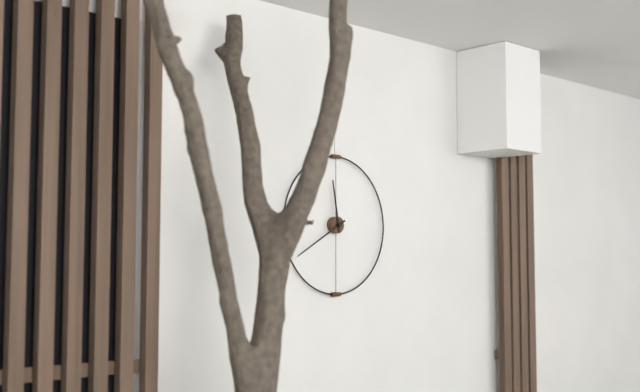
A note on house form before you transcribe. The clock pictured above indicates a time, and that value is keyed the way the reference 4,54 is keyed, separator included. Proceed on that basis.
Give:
11,40
